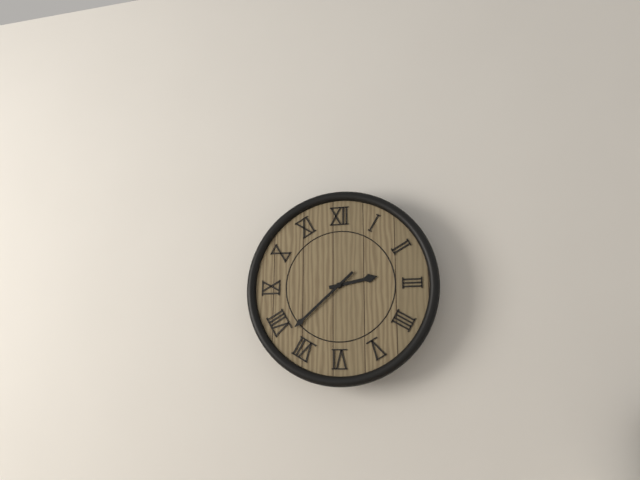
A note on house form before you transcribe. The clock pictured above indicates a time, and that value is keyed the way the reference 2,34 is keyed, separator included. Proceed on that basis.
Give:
2,38
